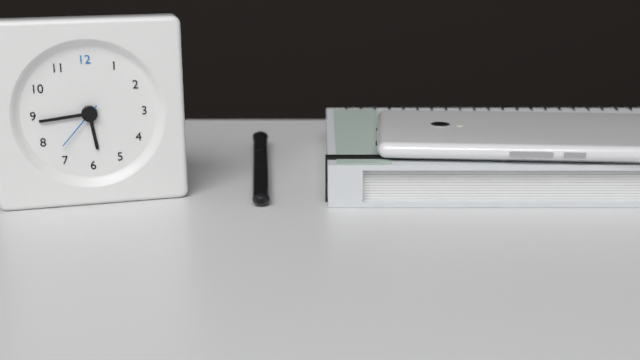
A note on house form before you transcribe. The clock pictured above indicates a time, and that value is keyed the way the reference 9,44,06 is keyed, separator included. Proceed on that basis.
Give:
5,44,37
